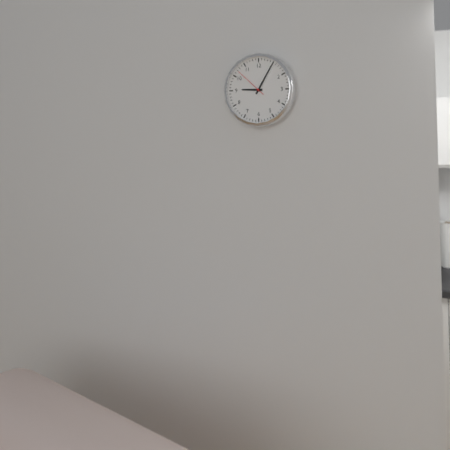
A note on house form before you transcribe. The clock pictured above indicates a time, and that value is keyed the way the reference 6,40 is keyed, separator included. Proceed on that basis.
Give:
9,05
